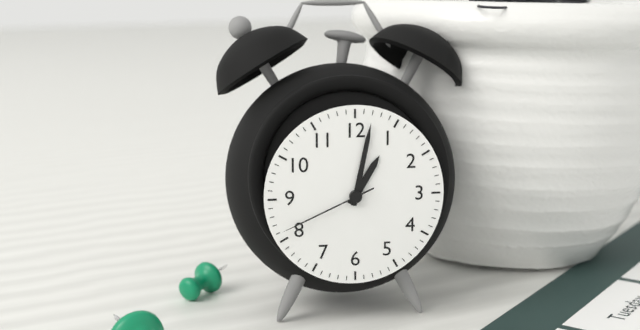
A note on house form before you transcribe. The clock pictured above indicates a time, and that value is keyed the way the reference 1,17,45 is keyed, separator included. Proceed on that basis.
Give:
1,02,41
